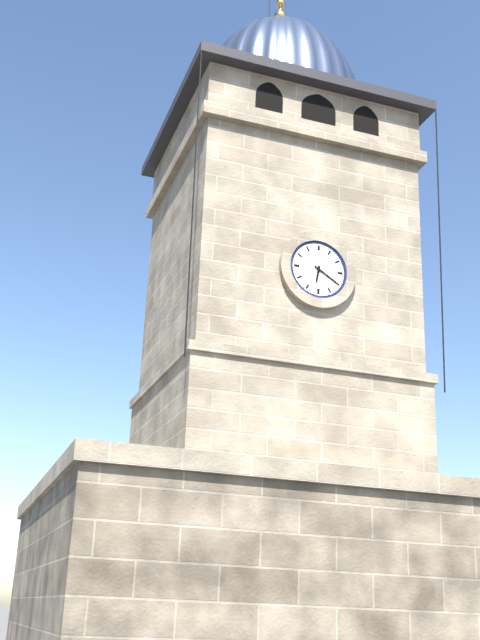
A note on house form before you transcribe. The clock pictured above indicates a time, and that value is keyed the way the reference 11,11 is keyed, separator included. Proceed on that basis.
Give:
6,20
